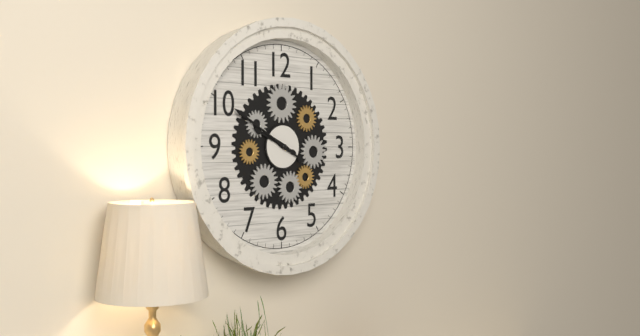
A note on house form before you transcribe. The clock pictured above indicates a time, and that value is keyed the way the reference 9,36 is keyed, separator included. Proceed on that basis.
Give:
9,50
